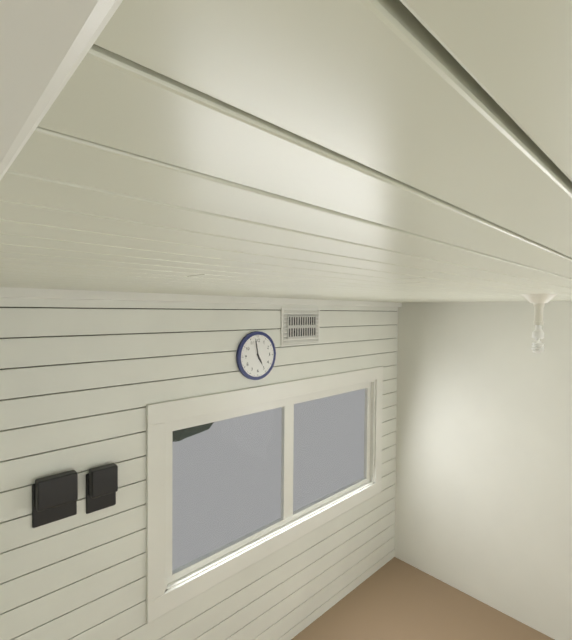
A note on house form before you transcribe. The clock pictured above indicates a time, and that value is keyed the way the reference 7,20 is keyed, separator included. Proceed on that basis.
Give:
4,58
